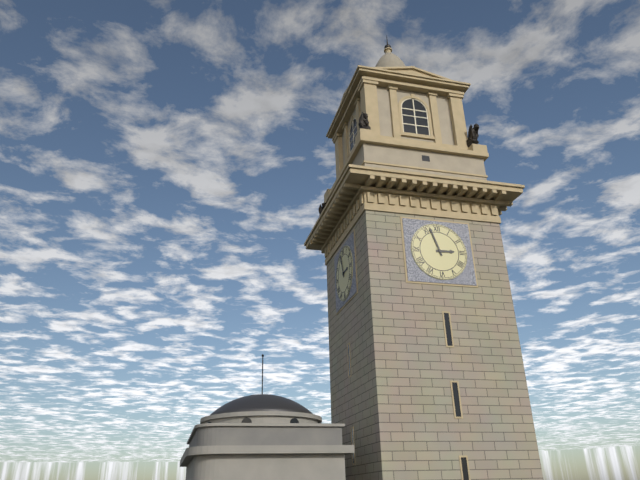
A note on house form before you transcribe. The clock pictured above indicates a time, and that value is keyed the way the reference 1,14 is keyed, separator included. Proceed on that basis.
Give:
2,57
